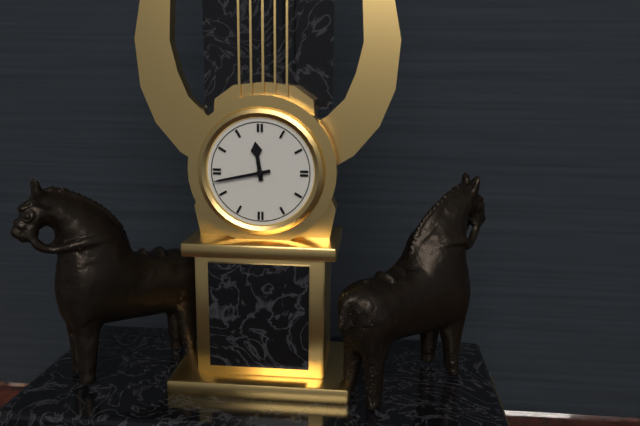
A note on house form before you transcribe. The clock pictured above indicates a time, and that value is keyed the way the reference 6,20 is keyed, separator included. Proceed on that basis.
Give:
11,43
